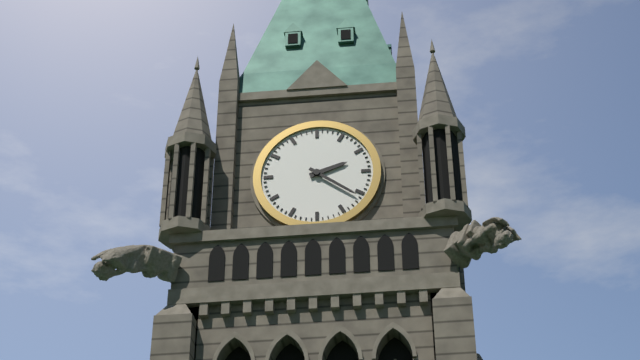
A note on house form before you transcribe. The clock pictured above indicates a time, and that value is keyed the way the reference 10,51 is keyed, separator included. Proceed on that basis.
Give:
2,21
